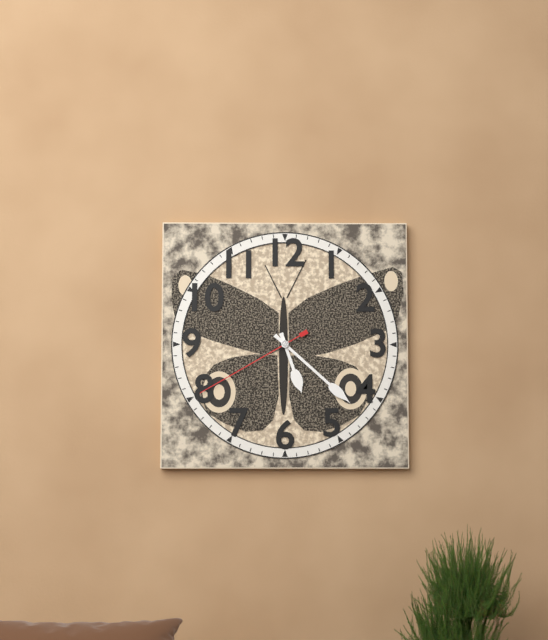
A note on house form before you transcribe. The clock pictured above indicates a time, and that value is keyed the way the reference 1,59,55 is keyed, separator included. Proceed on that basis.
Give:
5,22,40
